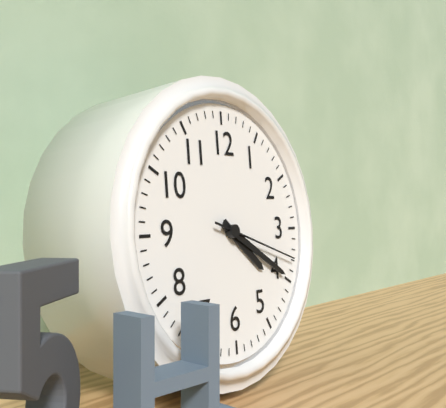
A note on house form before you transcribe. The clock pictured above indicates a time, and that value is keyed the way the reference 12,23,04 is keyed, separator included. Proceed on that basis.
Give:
4,20,18
